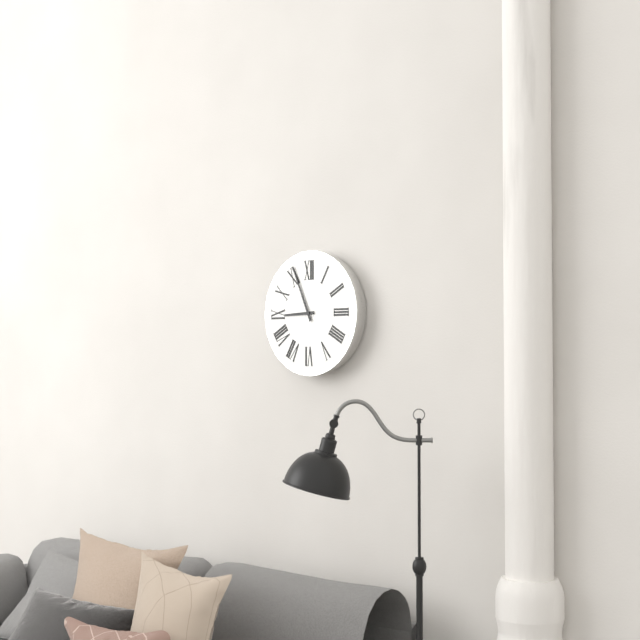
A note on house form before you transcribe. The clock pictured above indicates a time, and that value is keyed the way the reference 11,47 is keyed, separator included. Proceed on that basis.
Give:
8,56
